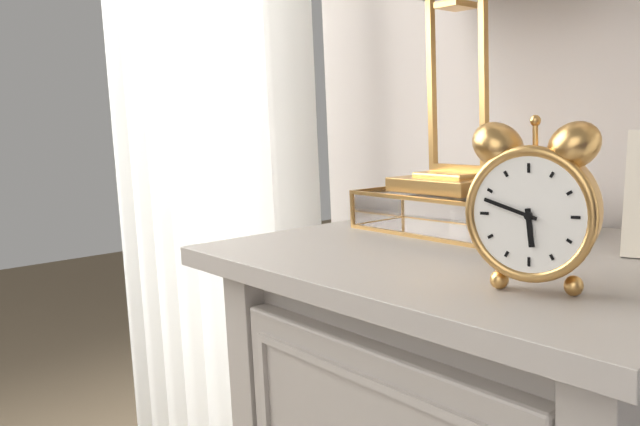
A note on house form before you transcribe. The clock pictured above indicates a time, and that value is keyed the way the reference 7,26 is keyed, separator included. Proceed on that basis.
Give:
5,48
